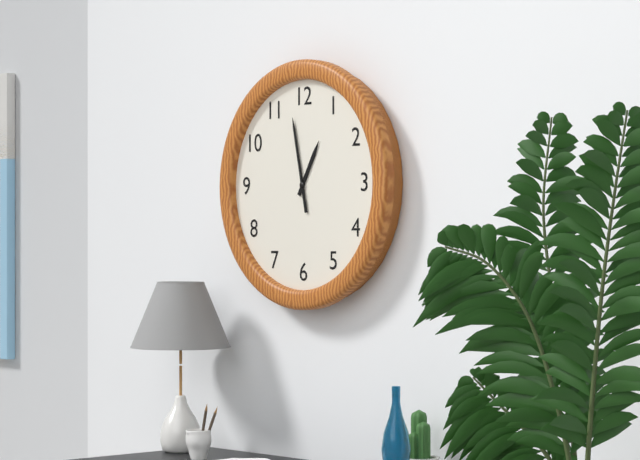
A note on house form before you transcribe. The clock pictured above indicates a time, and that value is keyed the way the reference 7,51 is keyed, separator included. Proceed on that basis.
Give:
12,58
